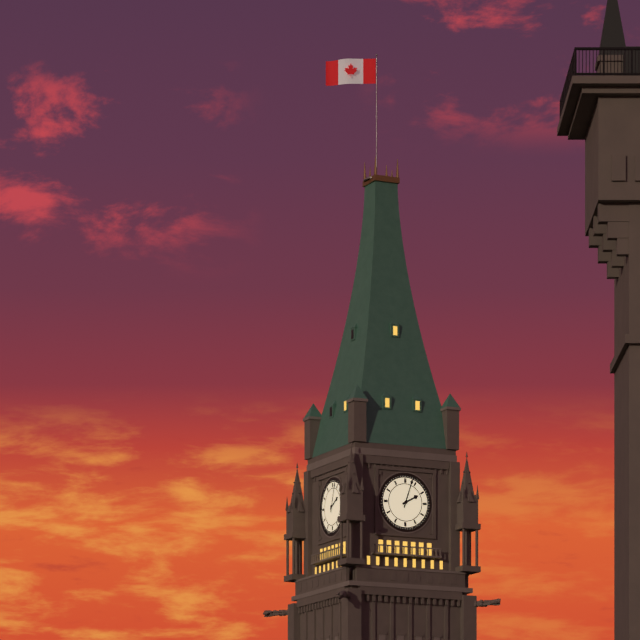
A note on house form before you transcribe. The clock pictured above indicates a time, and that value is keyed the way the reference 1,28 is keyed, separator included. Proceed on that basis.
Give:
2,03
